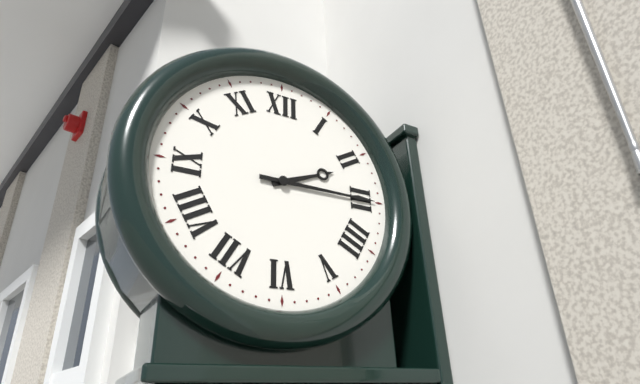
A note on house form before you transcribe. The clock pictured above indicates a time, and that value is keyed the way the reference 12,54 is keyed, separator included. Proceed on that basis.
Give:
2,15
